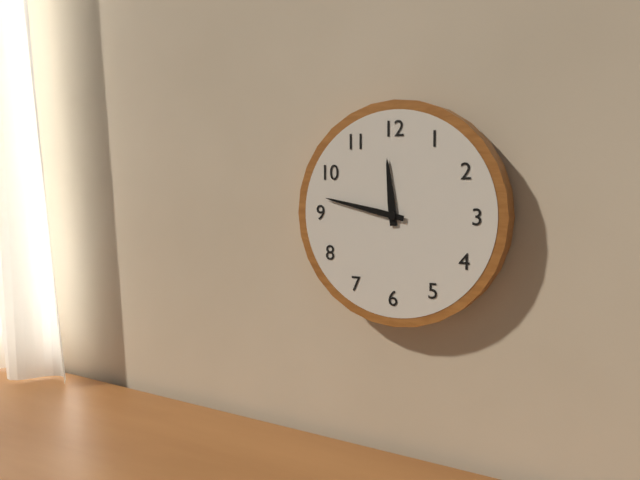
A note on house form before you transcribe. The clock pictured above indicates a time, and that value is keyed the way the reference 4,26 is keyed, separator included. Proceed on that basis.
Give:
11,47
